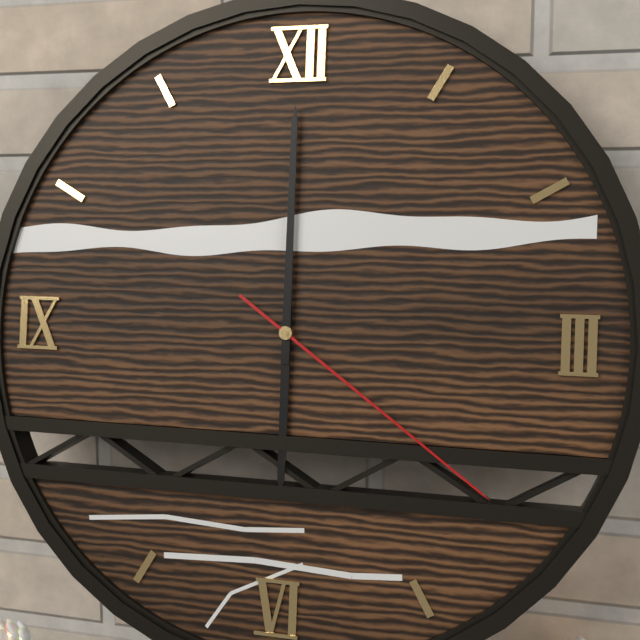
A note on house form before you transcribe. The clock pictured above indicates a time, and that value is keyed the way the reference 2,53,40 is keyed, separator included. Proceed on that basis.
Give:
6,00,21
